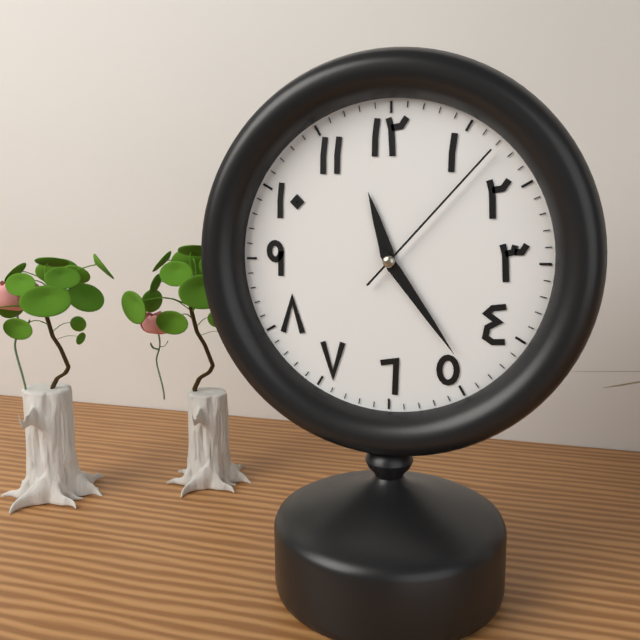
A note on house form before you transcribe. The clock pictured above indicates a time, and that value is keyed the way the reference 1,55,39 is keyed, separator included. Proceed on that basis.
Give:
11,24,07
